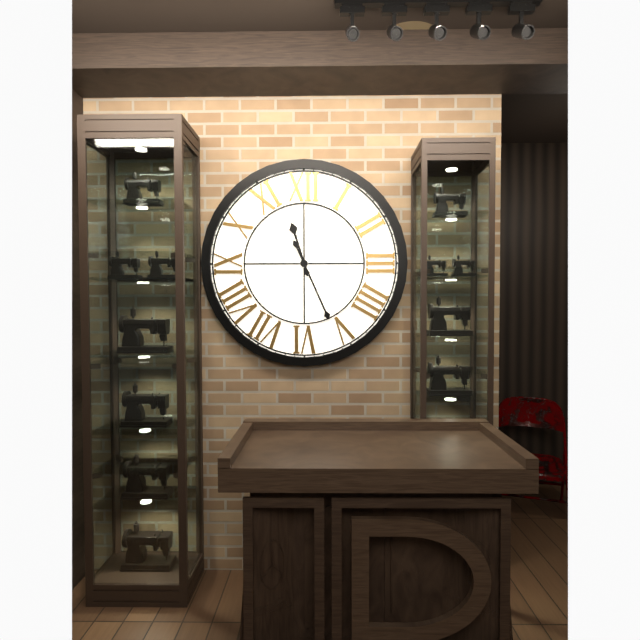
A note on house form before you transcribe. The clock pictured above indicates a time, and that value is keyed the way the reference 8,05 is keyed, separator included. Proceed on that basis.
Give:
11,26
